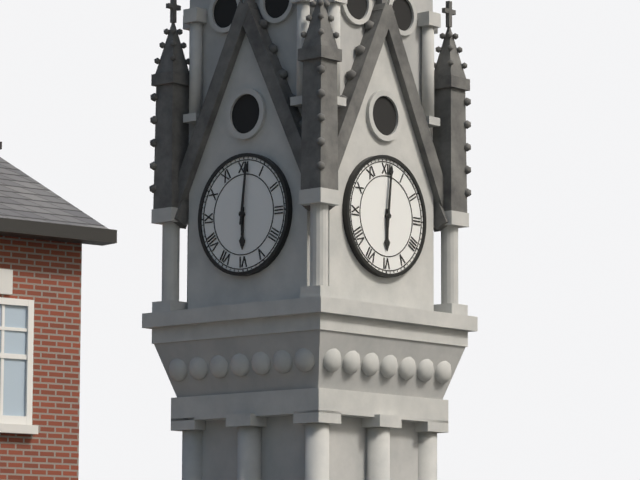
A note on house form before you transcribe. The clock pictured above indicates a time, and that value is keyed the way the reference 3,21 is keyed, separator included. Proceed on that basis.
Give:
6,01
